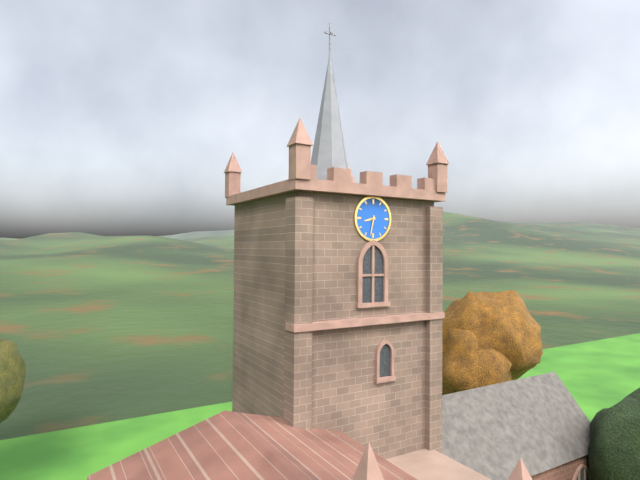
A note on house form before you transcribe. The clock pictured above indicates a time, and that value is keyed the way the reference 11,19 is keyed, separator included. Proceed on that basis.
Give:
8,32
